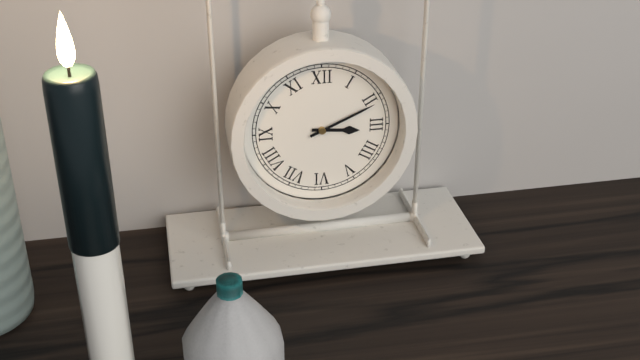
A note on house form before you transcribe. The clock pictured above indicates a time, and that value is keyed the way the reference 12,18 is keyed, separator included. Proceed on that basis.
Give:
3,11
